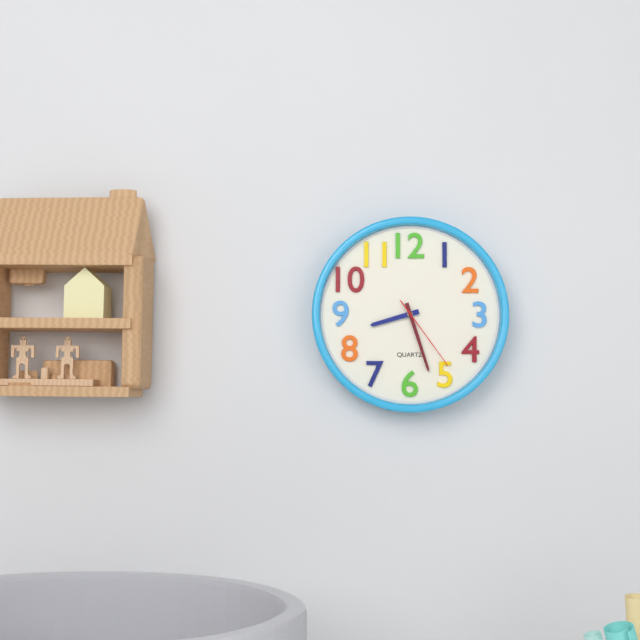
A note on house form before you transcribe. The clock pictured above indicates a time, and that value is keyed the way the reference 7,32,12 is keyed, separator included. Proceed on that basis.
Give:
8,27,24
